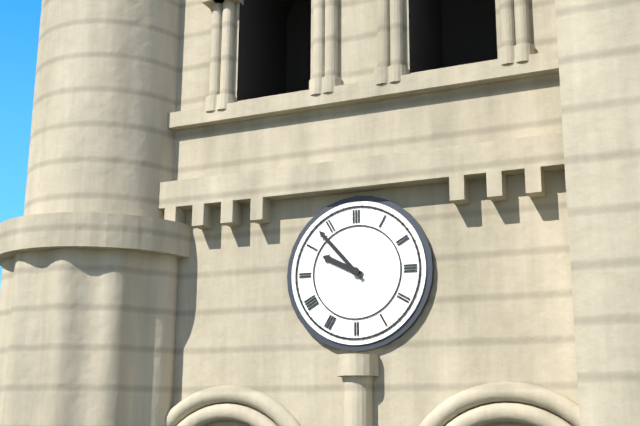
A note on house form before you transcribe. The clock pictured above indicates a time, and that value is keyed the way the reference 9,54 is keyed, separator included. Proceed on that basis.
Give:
9,53
